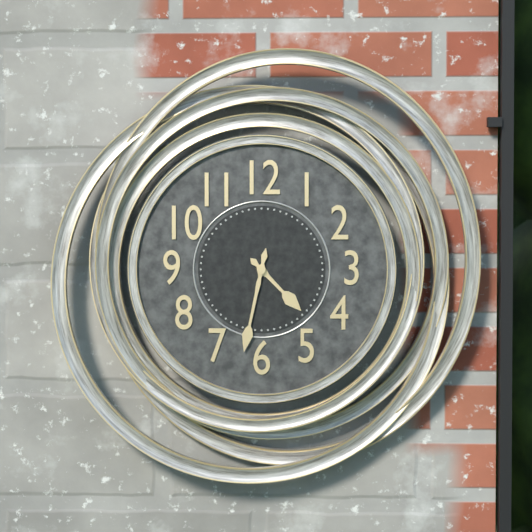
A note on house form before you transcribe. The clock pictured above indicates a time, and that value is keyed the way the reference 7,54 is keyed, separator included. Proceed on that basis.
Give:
4,32
